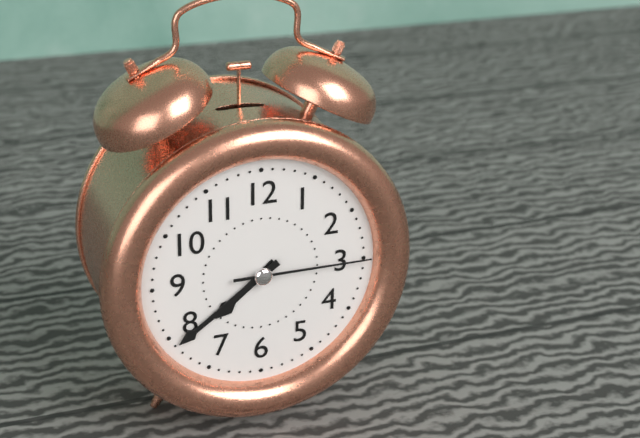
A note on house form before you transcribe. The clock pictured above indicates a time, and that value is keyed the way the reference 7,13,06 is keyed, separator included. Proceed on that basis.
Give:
7,39,15
